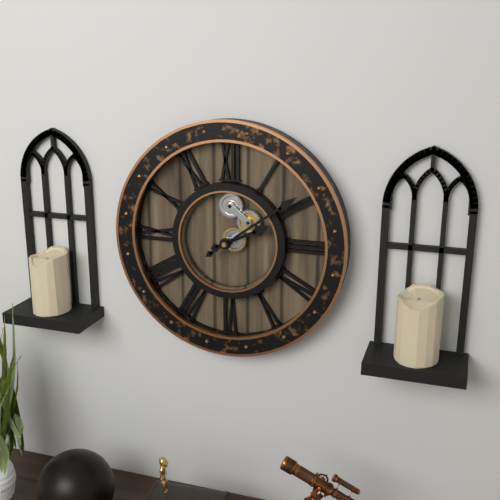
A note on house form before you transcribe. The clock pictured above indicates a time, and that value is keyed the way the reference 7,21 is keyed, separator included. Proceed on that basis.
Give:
2,09
